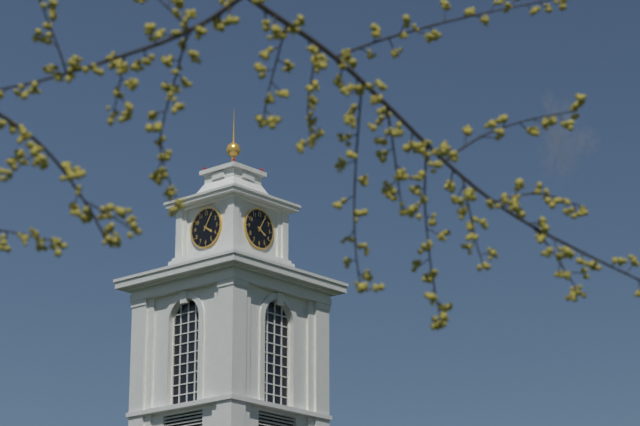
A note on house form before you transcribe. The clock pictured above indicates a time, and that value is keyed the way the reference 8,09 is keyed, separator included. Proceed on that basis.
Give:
4,05
